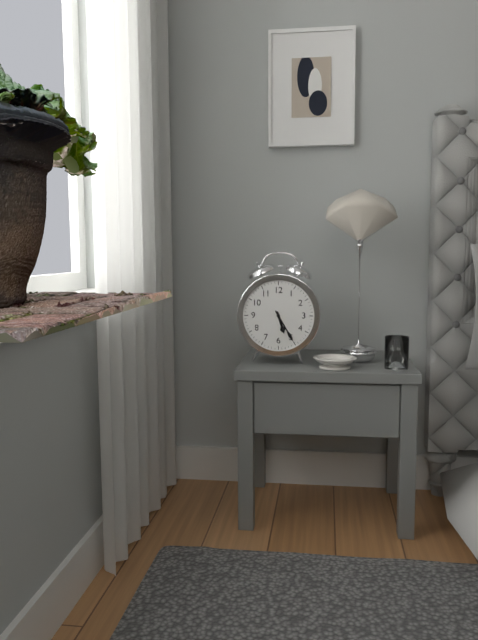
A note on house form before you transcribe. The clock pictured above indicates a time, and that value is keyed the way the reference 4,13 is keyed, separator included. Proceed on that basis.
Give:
5,25
